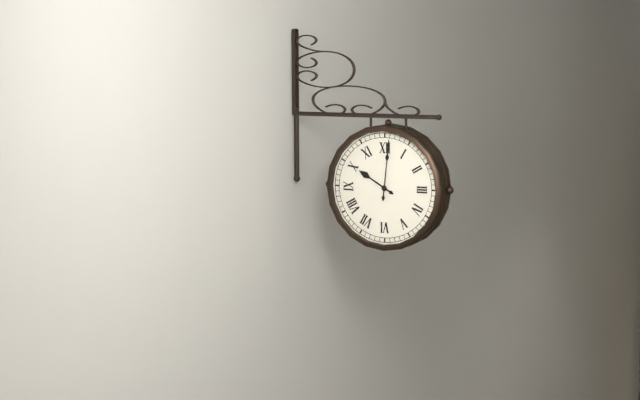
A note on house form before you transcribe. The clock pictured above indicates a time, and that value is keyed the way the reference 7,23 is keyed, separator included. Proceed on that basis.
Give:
10,01
